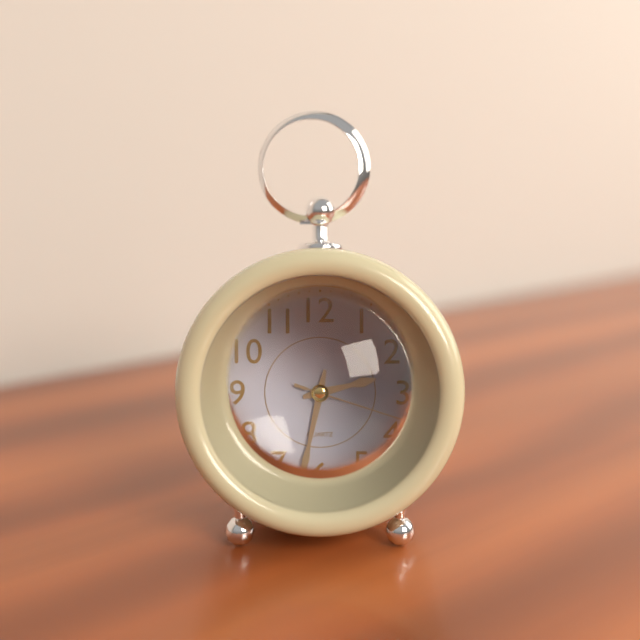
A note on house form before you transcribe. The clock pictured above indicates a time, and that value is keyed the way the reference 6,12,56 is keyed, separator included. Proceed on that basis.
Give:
2,32,18
